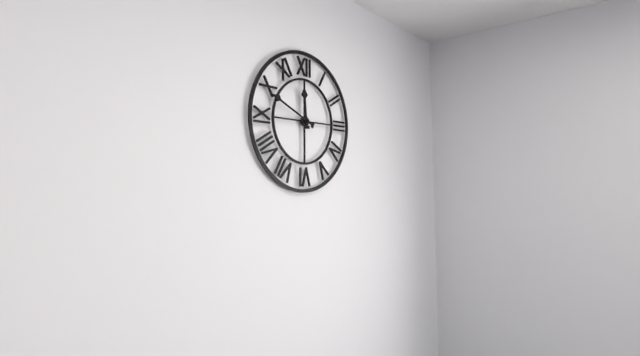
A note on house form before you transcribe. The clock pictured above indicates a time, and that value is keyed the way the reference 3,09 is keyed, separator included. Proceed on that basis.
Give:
11,49
